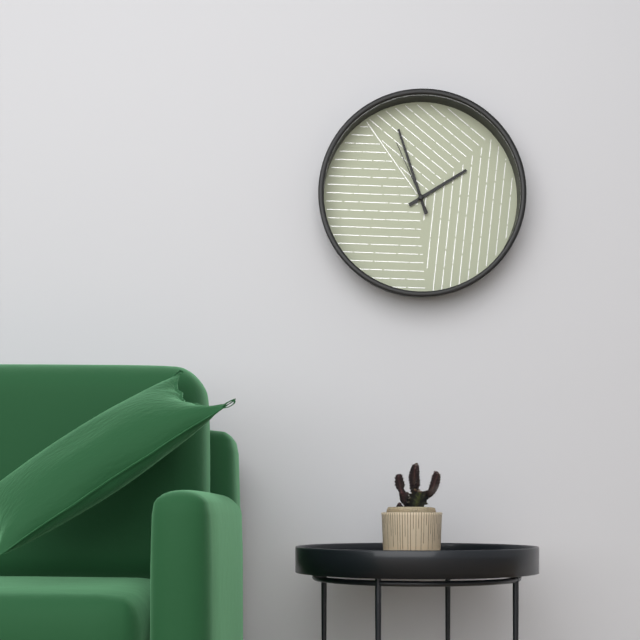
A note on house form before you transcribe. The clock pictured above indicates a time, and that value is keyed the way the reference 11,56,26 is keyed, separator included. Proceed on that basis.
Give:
1,57,56
